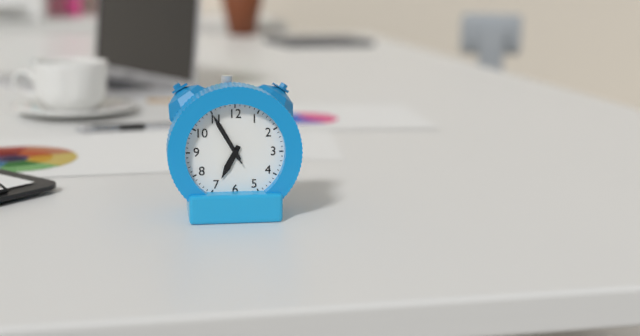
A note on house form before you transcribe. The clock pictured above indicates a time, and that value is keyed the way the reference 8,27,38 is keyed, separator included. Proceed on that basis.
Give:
6,55,55
